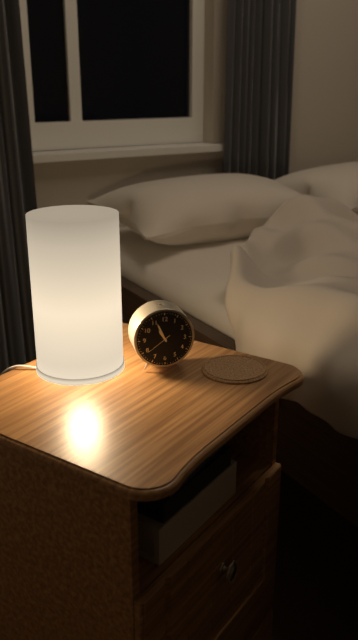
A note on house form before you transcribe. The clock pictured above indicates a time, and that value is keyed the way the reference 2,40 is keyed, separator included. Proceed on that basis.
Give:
10,56
